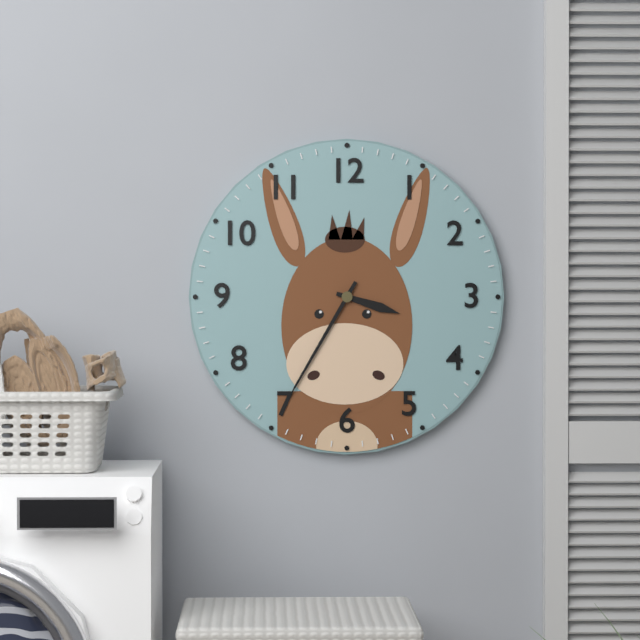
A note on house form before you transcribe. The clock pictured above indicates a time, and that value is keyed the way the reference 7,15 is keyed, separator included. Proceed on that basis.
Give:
3,35
